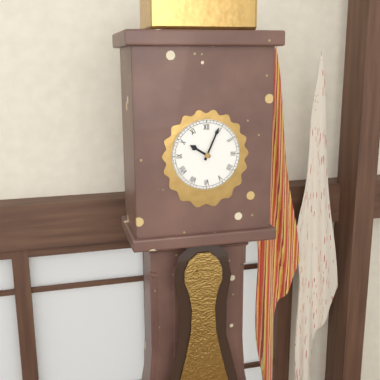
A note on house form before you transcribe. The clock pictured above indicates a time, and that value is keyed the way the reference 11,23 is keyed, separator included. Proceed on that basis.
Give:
10,04
